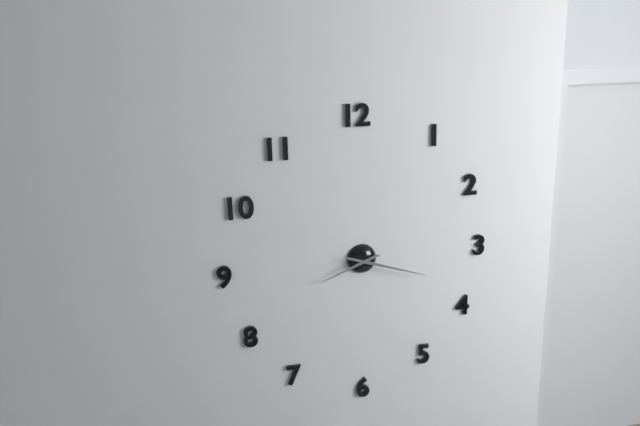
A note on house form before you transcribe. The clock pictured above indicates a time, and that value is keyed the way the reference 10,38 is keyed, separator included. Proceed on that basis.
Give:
8,18
